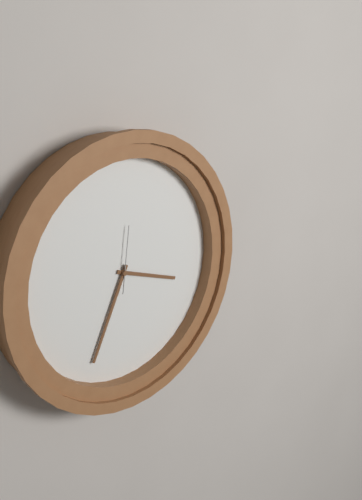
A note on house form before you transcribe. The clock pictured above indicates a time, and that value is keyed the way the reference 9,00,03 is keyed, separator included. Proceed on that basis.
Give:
3,34,01
